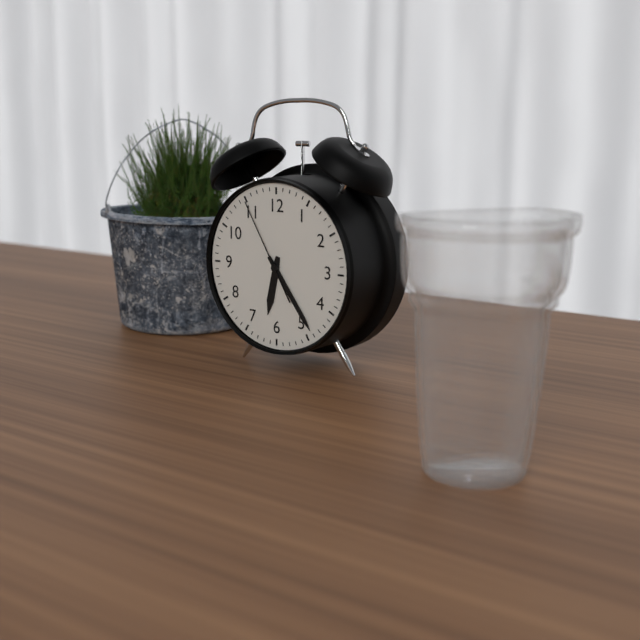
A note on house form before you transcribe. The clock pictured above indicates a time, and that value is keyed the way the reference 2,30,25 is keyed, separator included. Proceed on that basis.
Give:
6,24,55
